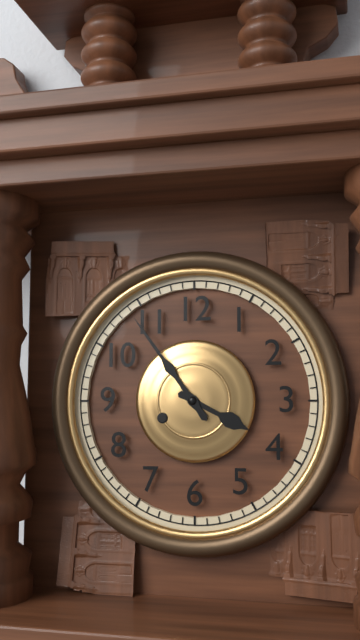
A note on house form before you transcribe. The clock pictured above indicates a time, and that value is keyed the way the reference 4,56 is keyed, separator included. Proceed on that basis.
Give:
3,54
